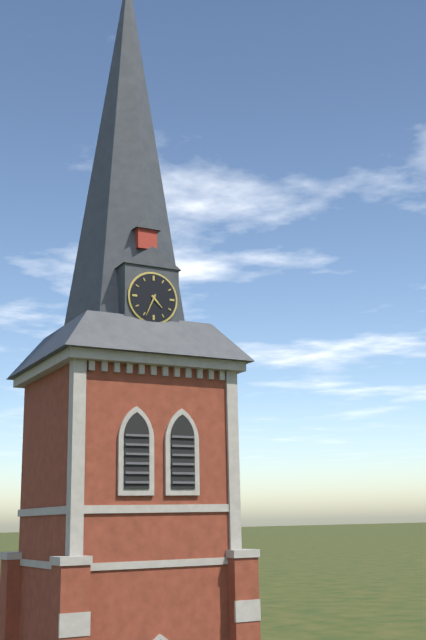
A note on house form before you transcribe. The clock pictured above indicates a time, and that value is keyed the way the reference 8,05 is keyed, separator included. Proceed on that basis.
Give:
4,34
